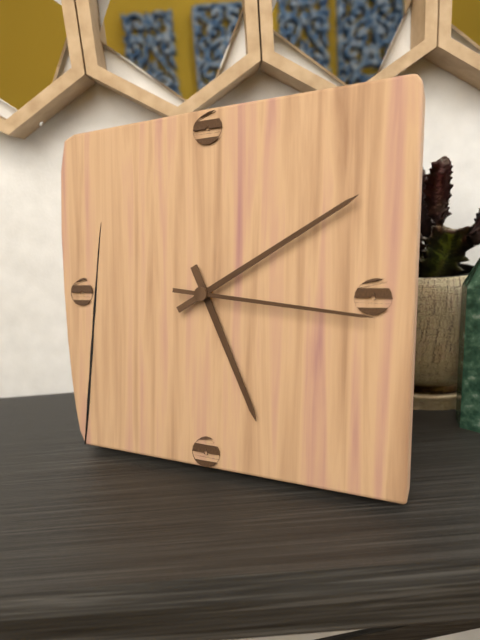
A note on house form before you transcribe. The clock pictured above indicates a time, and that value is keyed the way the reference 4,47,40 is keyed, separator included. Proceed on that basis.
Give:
5,10,16
